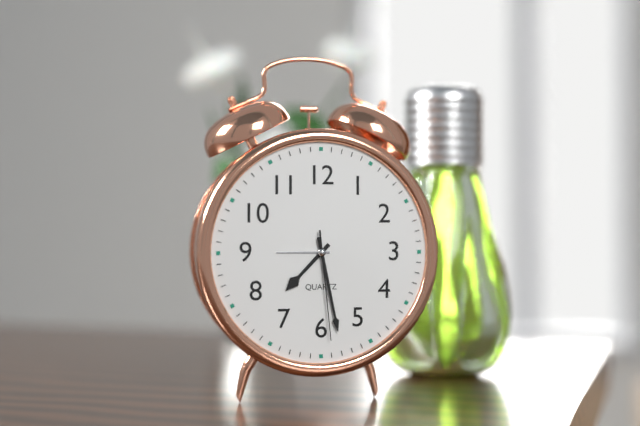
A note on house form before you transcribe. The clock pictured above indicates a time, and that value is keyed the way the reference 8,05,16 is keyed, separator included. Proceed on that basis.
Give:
7,28,29
